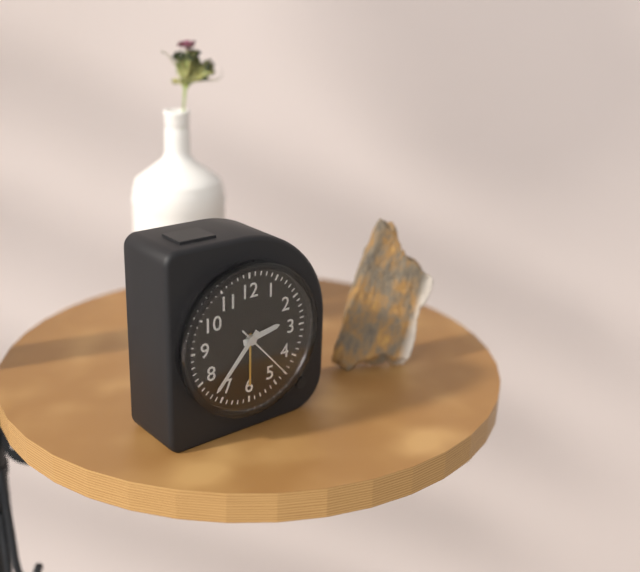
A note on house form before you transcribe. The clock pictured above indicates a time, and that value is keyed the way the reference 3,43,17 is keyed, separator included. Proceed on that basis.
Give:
2,37,23
